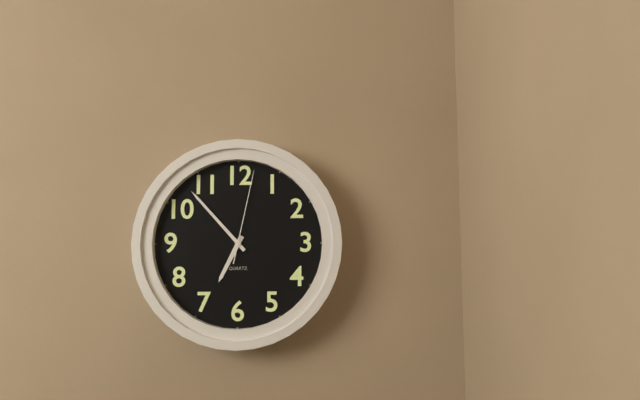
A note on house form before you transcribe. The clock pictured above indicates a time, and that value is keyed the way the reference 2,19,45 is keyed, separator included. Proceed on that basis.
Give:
6,53,02
